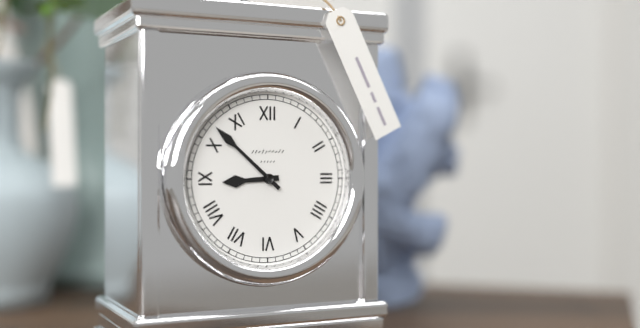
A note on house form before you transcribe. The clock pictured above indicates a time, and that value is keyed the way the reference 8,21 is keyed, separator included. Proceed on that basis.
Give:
8,52
